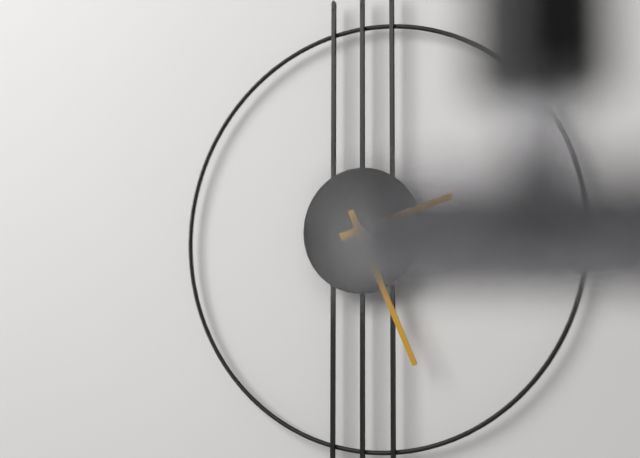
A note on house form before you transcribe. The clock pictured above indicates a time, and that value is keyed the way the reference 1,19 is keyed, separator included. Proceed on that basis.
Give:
2,26
